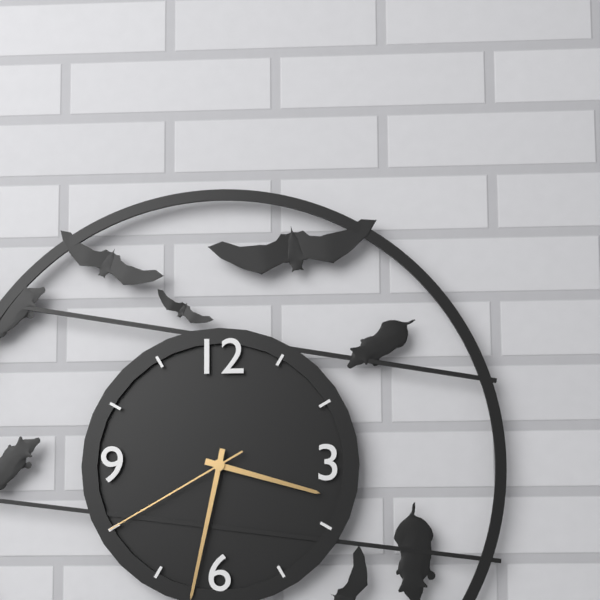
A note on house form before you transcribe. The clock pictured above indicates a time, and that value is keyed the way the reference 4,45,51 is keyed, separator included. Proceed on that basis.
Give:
3,32,40
